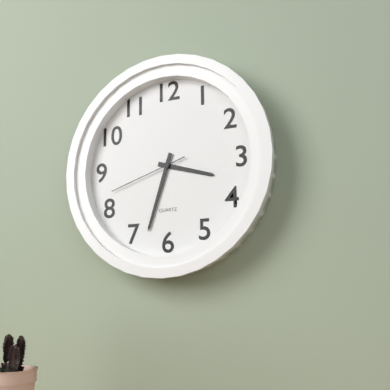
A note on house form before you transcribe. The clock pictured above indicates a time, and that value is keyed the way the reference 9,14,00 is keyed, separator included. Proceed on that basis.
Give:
3,33,42
